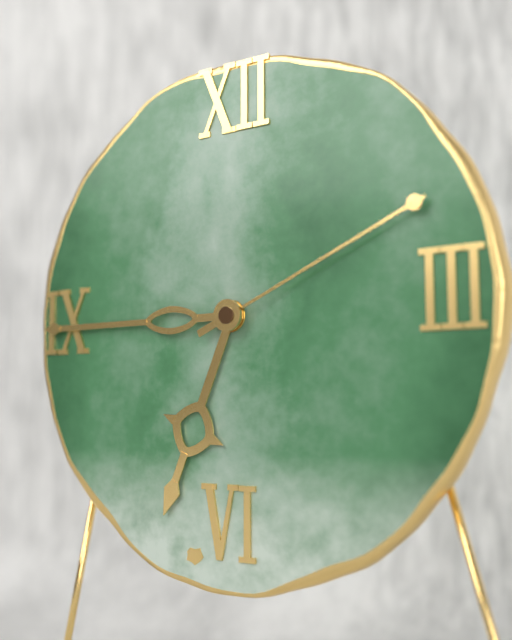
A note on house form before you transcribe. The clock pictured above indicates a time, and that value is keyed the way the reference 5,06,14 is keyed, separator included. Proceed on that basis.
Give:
6,45,11
